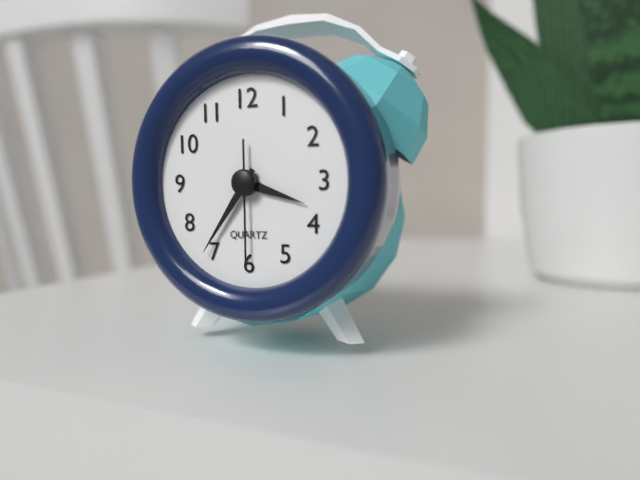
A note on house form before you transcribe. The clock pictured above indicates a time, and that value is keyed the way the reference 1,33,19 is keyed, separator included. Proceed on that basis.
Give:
3,36,30
